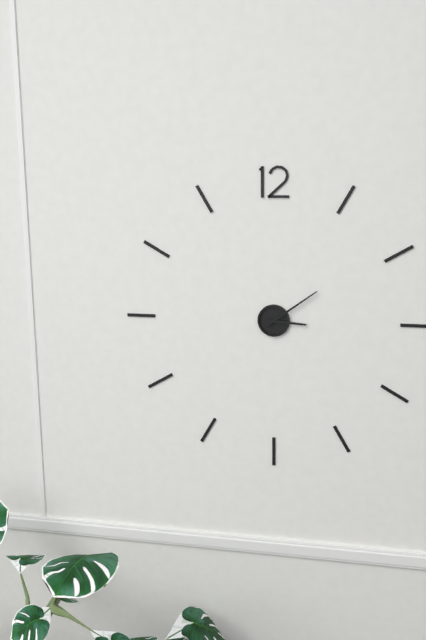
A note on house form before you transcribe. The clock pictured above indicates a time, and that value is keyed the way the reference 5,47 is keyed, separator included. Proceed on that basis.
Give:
3,09
